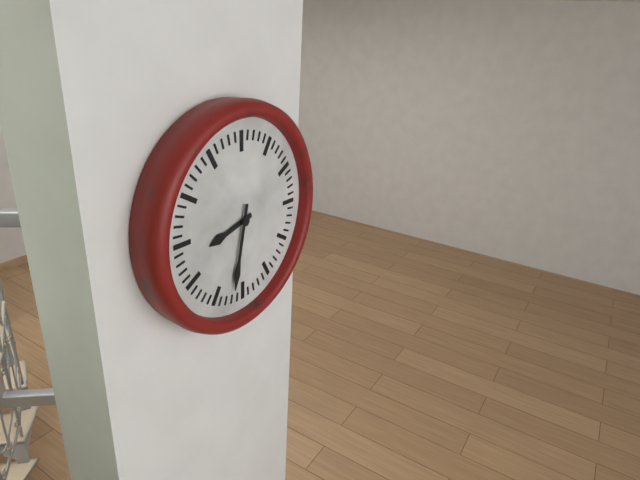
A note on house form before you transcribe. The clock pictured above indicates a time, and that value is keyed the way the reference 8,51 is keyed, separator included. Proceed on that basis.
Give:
8,32
